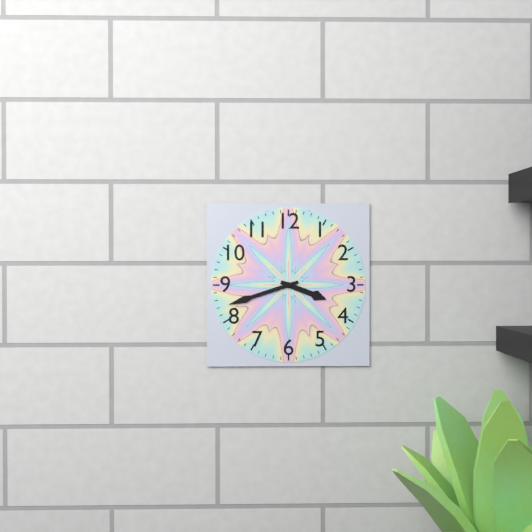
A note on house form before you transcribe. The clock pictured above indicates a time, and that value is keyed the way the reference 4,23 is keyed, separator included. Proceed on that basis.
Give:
3,42
